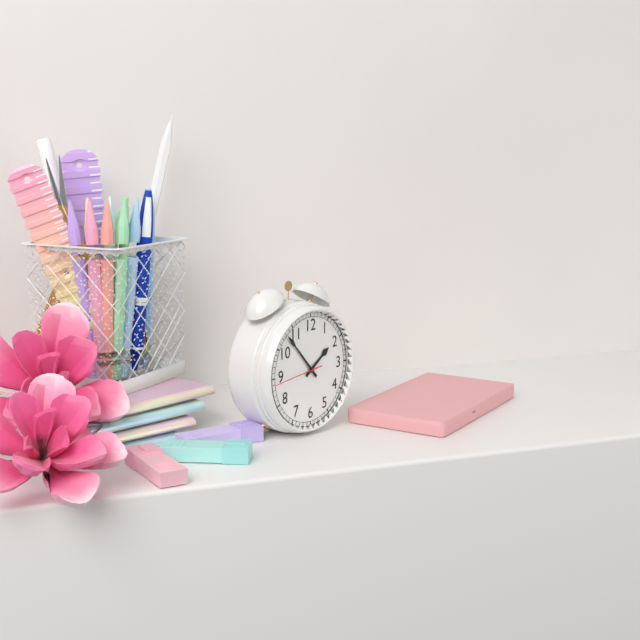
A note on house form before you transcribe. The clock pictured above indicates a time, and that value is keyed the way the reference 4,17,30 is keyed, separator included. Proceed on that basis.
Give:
1,53,44
